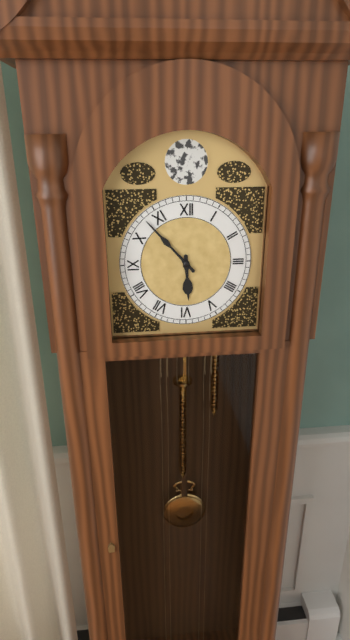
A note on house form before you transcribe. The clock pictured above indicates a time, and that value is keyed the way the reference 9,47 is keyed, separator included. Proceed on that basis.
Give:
5,53
